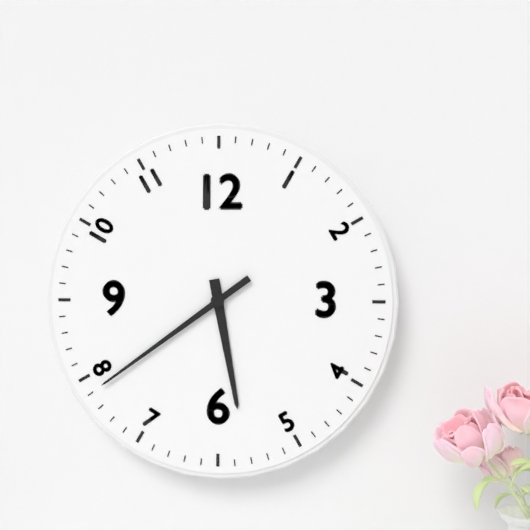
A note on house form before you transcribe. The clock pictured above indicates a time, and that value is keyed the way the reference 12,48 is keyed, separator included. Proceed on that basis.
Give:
5,39
